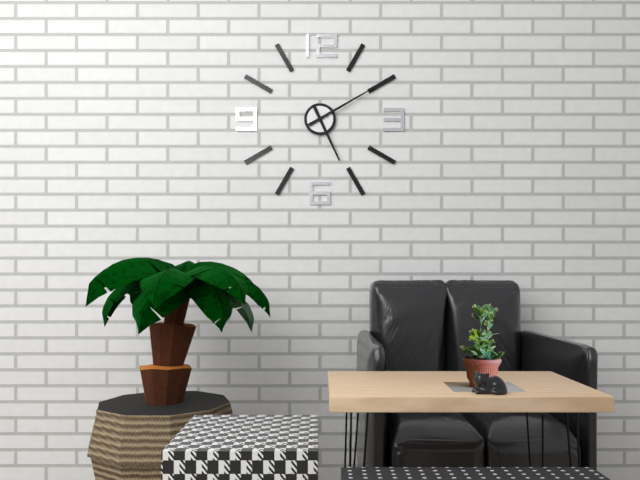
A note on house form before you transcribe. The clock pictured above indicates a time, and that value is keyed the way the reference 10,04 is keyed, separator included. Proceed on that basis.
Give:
5,10
